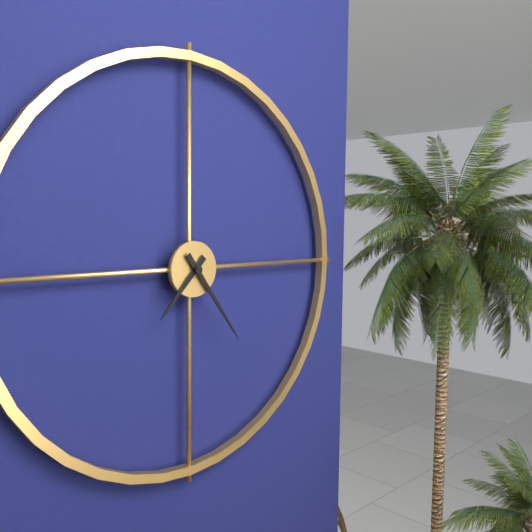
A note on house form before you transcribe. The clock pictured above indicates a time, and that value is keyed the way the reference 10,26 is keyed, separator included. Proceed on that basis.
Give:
7,24
